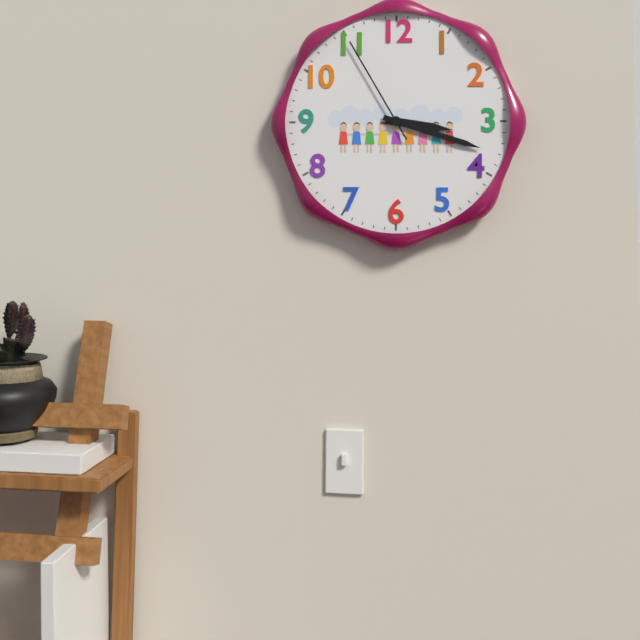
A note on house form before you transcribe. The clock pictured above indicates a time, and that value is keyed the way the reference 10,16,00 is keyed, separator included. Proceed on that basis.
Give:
3,18,55
